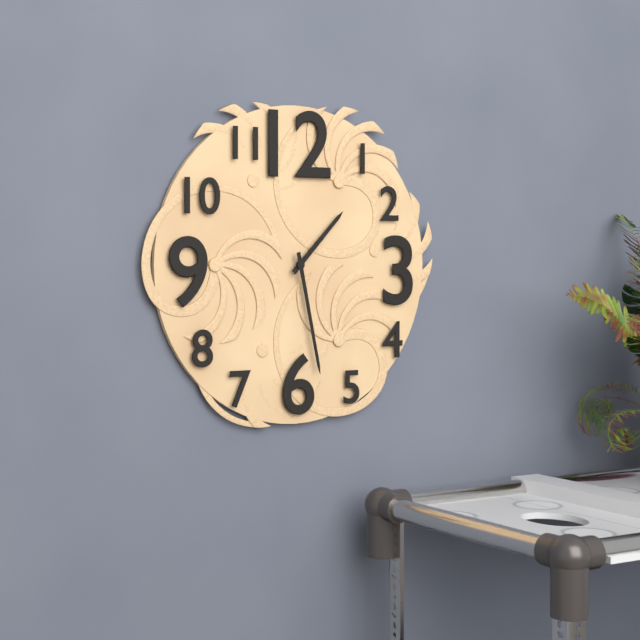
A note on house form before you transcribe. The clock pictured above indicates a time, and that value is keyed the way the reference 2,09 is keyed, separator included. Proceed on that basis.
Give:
1,28
